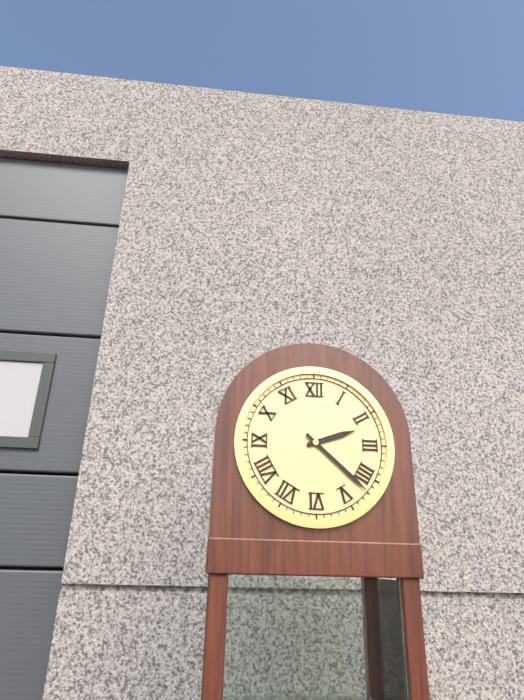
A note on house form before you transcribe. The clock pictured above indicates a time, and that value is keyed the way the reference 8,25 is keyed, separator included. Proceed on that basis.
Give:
2,22
